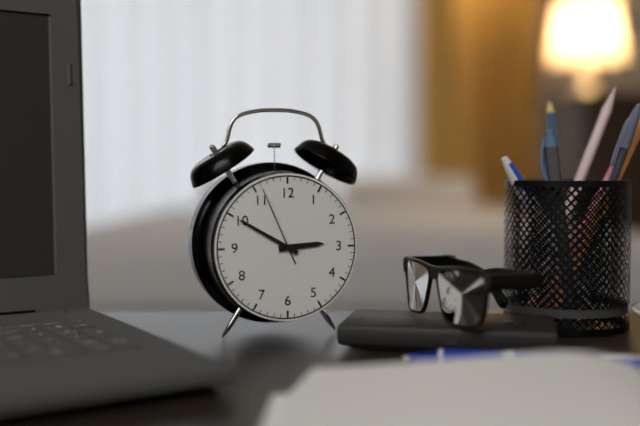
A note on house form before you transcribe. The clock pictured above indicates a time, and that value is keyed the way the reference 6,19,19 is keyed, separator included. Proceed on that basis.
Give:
2,50,56
